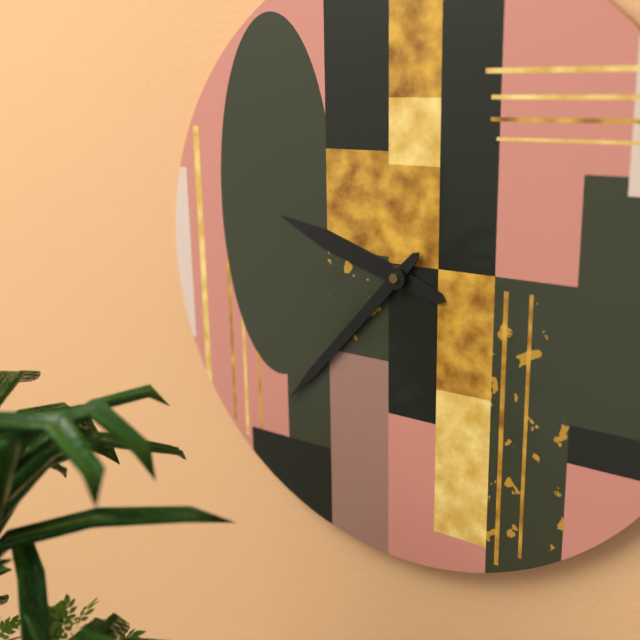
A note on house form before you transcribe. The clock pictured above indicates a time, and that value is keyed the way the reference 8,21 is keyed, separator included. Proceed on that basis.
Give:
9,37
